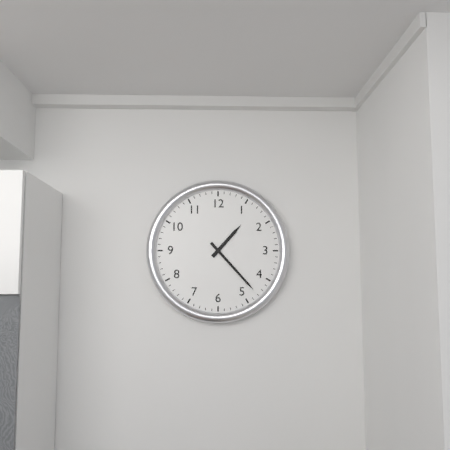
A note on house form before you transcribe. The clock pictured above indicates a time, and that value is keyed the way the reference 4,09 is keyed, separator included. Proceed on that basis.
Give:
1,23
